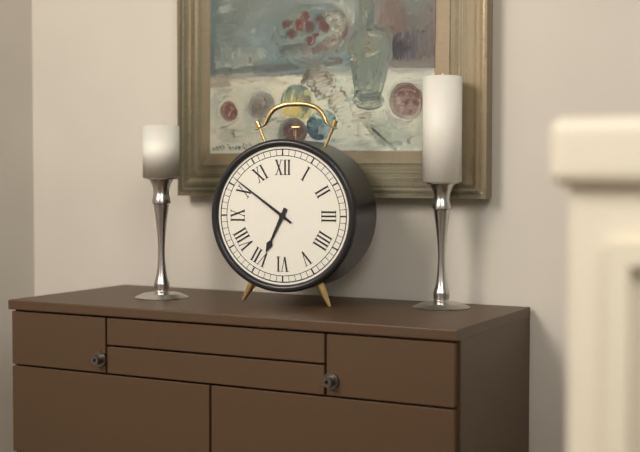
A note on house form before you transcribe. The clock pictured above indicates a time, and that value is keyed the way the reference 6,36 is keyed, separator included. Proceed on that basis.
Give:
6,51
